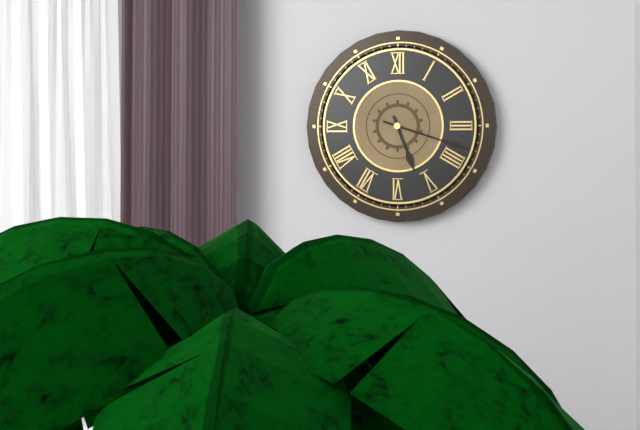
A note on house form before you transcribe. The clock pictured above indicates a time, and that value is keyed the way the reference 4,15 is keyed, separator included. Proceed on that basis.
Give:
5,18
